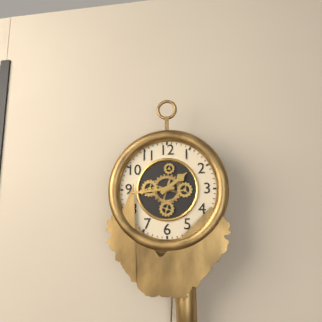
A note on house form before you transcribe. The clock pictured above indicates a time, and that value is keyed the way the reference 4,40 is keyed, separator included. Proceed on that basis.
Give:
1,44
